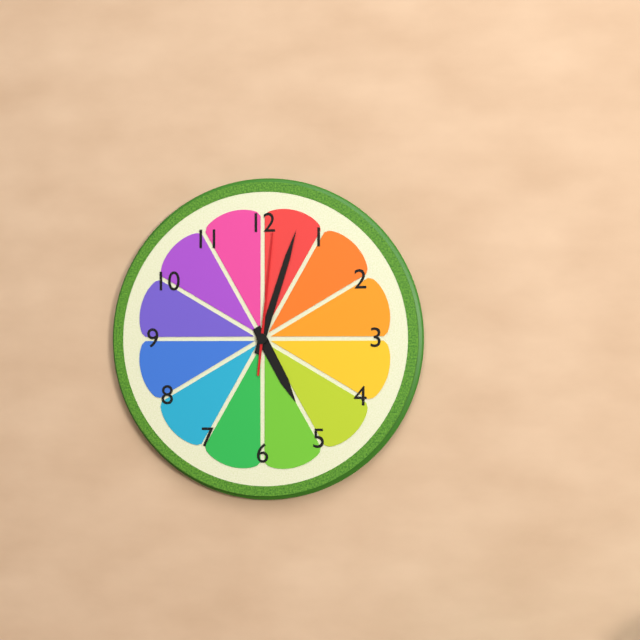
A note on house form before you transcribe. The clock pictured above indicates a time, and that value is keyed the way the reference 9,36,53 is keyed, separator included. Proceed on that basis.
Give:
5,03,01
